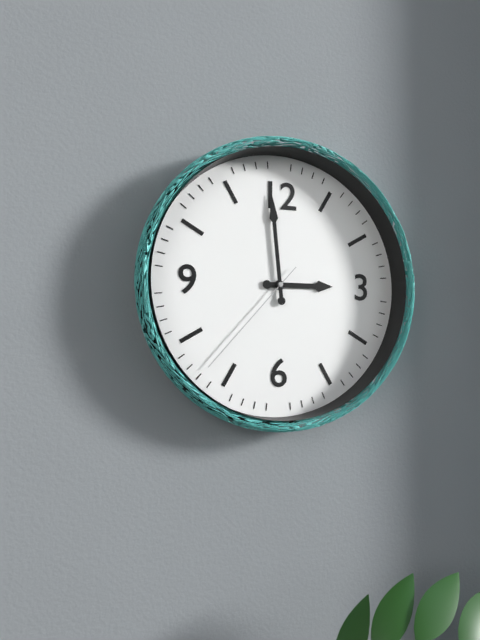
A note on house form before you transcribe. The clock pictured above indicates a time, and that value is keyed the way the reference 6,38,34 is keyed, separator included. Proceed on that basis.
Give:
2,59,37
